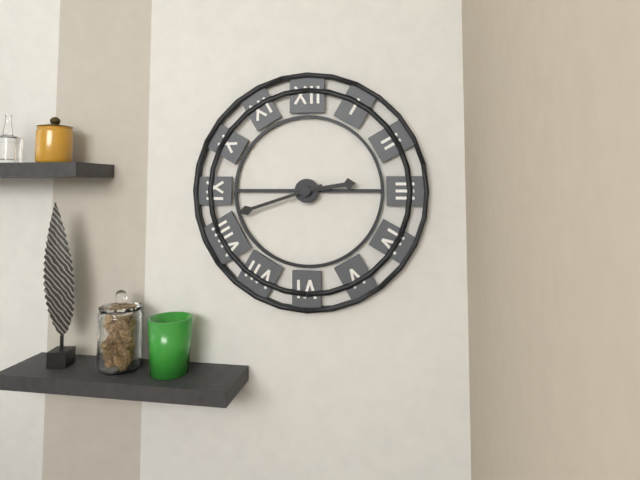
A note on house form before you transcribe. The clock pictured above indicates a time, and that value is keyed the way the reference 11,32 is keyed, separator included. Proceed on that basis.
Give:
2,42
